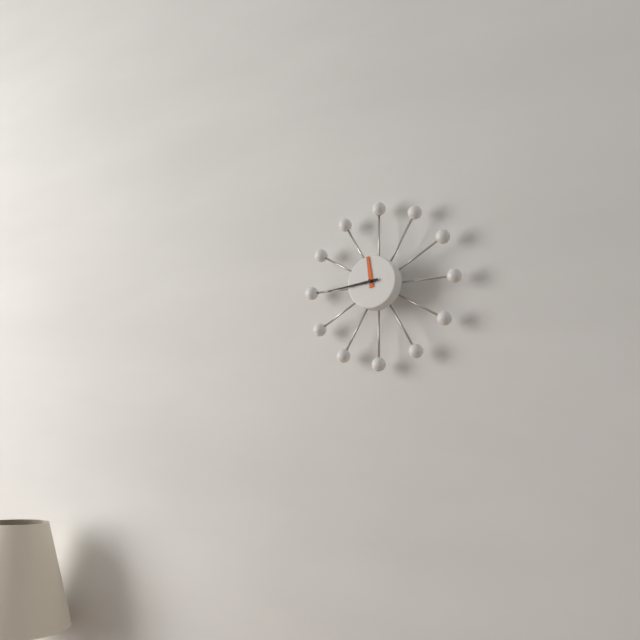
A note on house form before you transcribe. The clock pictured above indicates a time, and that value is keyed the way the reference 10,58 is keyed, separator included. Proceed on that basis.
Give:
11,44
